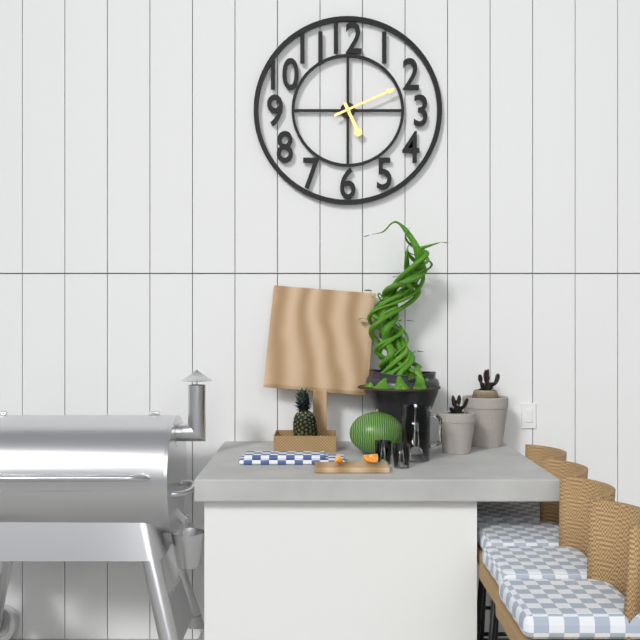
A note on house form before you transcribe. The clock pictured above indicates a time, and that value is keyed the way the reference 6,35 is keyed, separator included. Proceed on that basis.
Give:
5,11
